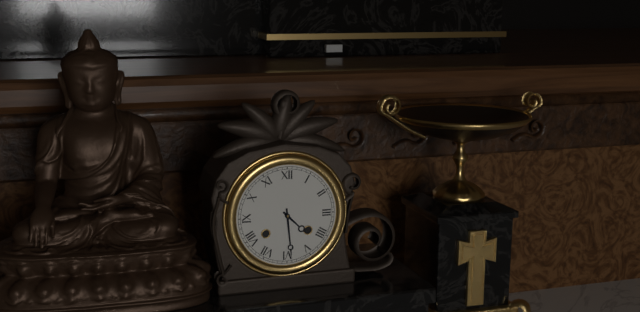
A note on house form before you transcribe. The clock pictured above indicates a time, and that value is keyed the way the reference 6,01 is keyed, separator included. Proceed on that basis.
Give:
4,29
